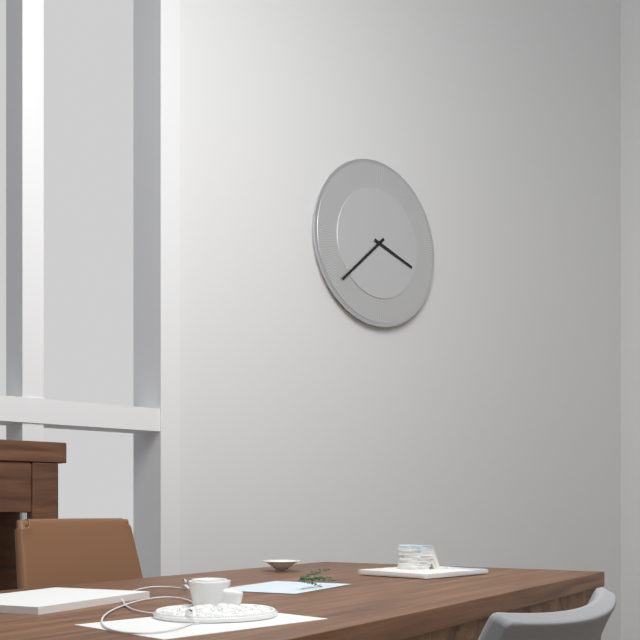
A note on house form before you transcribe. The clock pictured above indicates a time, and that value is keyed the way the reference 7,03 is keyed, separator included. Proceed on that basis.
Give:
3,38
